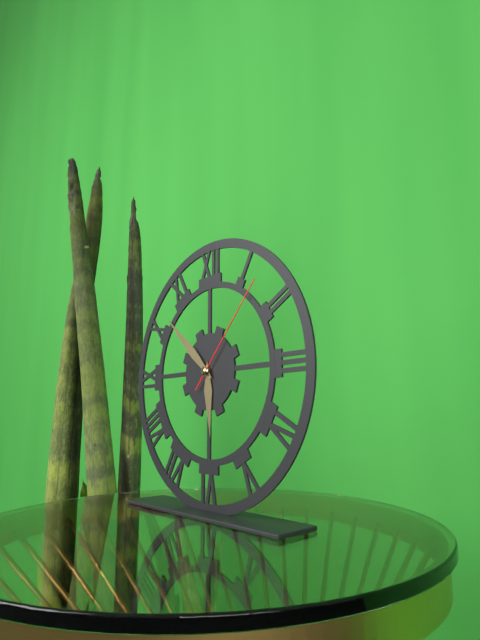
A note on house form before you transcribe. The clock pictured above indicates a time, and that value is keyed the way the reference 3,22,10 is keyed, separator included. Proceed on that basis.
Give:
5,52,07
